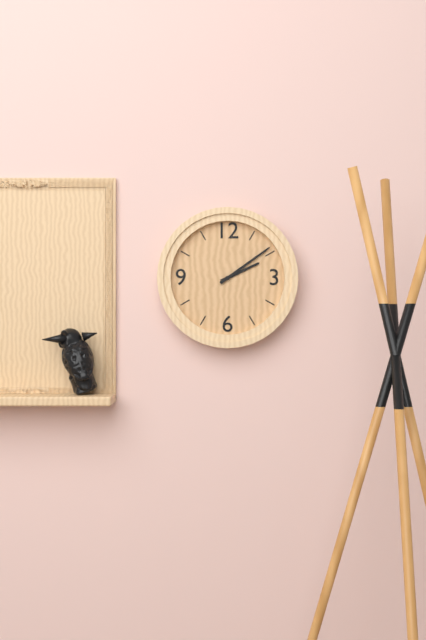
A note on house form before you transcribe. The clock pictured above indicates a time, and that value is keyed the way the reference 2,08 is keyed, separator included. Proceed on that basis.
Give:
2,09
